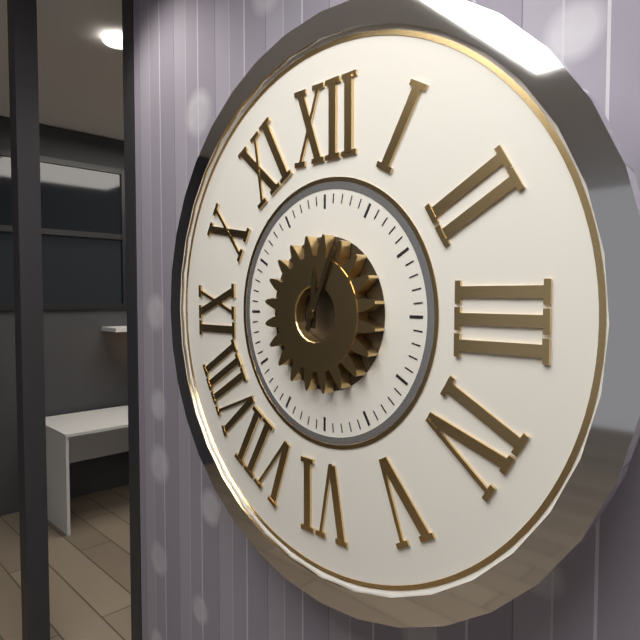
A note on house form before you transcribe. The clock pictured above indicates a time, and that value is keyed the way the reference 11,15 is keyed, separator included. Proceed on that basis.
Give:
12,04
